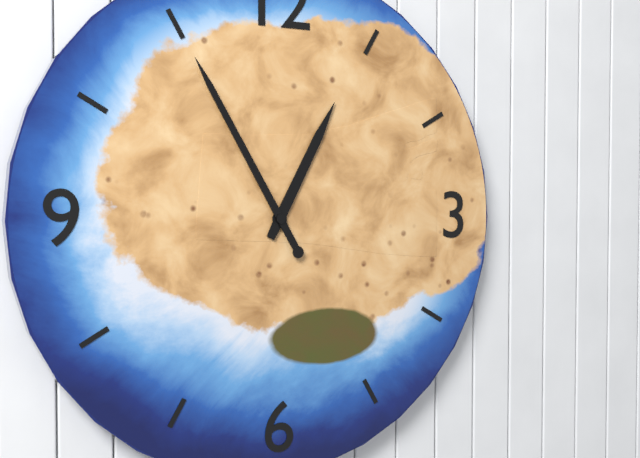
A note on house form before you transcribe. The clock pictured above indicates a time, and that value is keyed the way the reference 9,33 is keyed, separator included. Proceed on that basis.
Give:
12,55
